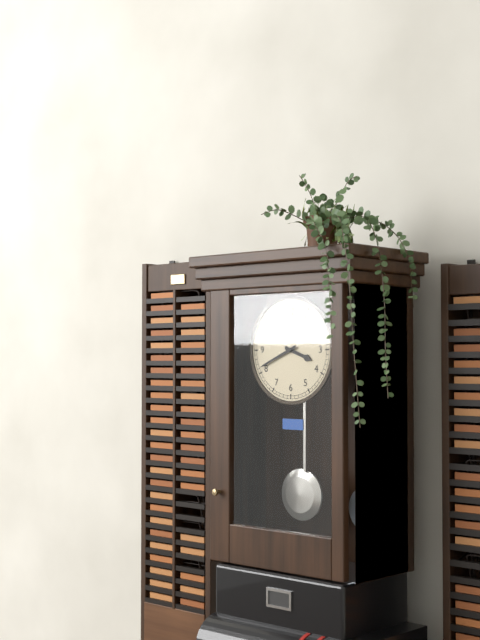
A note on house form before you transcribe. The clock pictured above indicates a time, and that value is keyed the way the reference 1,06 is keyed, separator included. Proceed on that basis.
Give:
3,41
